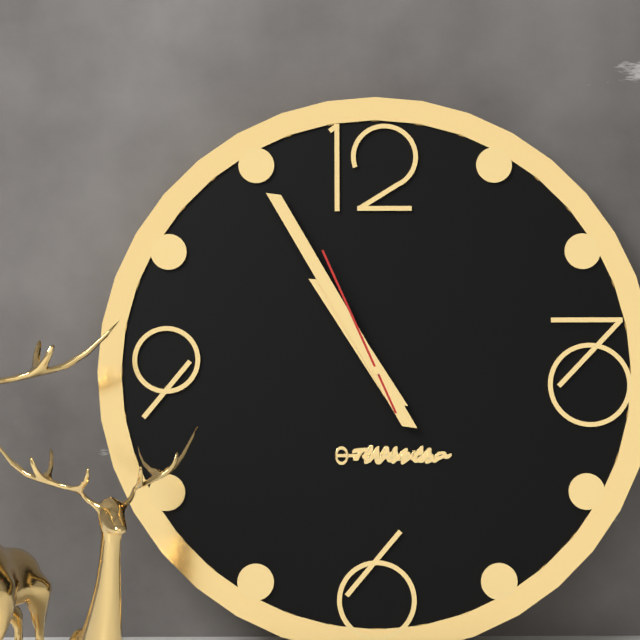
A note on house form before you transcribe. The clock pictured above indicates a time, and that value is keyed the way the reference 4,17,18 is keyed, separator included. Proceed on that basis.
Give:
10,55,56
